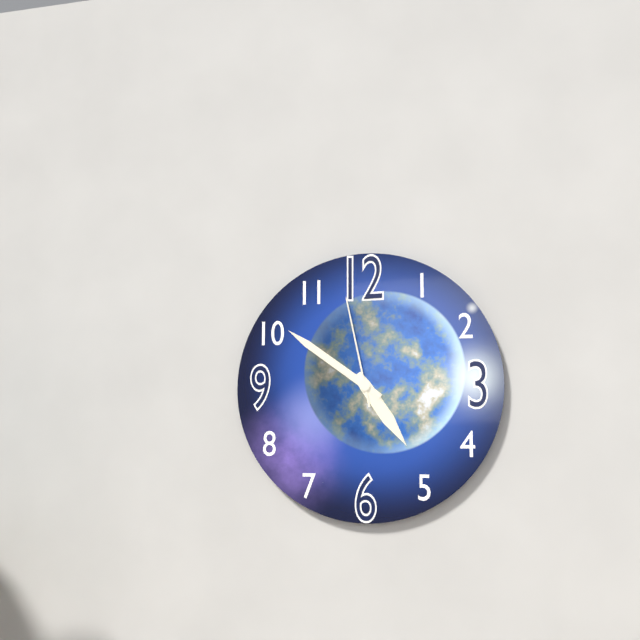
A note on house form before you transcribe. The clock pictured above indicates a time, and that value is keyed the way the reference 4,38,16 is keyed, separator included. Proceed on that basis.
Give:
4,51,58
